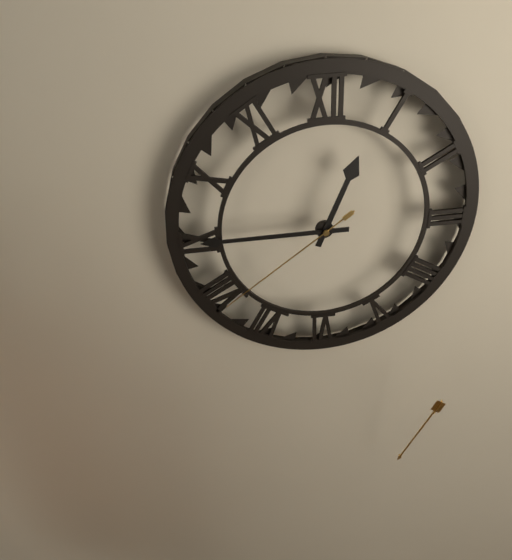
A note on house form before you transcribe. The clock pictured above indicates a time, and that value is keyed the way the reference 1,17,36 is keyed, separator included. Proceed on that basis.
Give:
12,45,39
